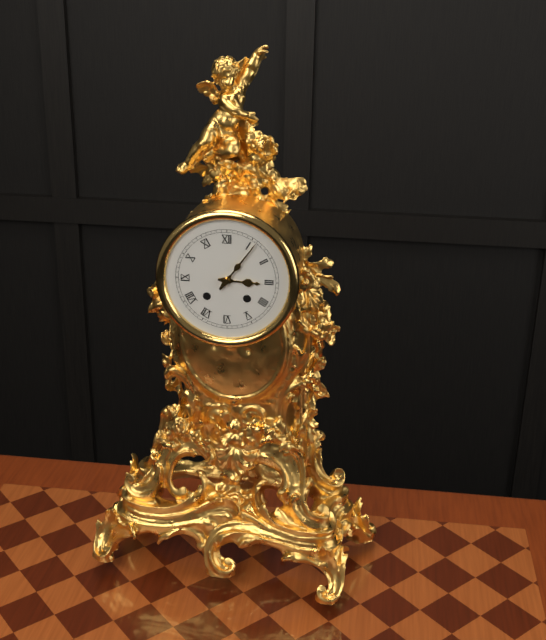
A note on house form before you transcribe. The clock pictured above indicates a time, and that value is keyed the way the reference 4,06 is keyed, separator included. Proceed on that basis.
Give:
3,06
